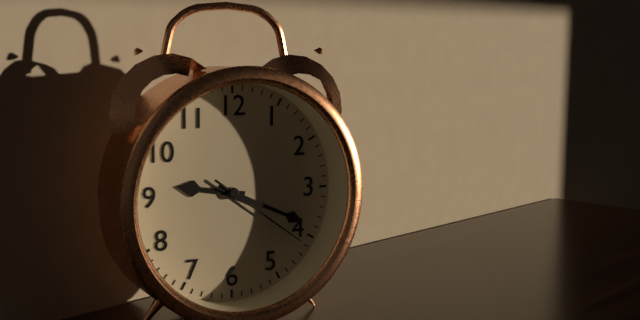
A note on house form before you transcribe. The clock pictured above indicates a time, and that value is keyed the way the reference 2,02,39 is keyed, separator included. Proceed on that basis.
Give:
9,19,21
